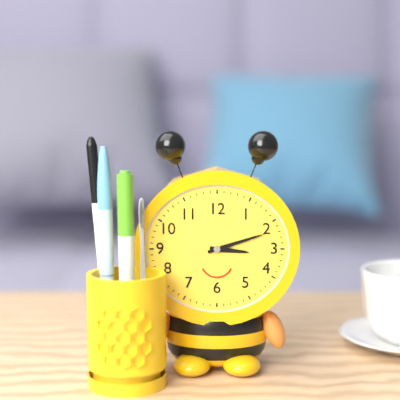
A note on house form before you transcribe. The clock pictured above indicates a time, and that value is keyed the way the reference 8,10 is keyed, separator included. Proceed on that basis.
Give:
3,12
